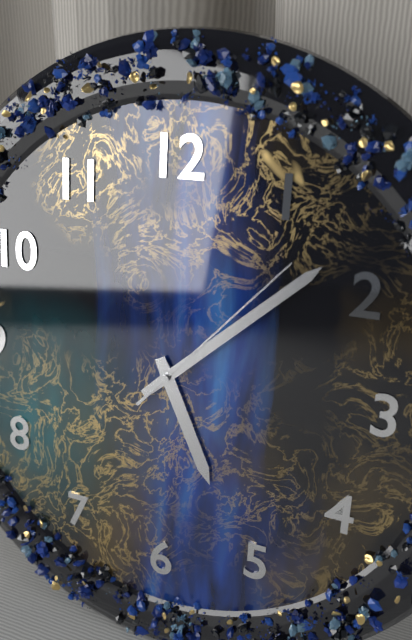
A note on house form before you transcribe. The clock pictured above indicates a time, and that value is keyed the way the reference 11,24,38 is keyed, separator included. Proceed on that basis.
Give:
5,08,07
